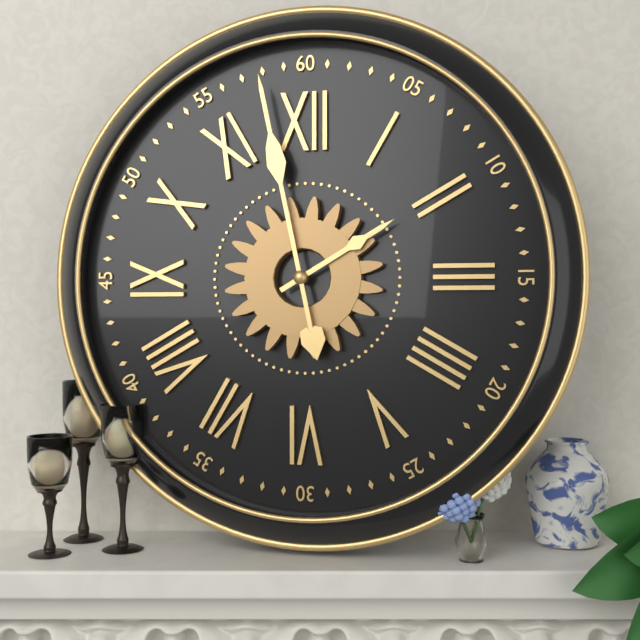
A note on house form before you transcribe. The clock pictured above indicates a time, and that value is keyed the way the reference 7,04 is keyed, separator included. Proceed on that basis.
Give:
1,58
